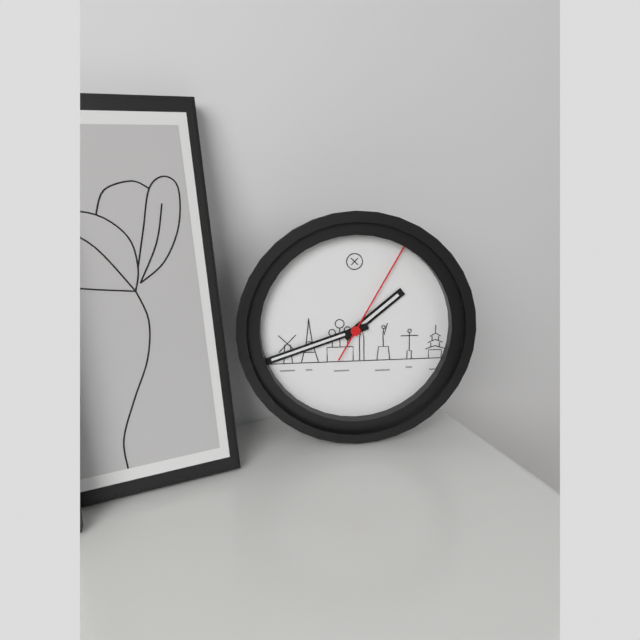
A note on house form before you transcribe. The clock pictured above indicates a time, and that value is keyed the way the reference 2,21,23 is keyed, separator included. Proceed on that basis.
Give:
1,42,05
